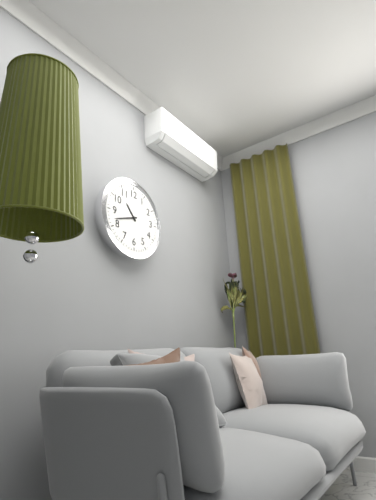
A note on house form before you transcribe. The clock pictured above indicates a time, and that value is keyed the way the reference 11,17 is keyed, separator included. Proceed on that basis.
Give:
10,42
